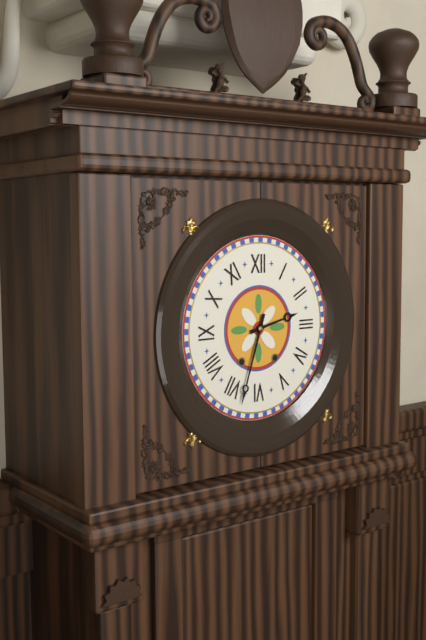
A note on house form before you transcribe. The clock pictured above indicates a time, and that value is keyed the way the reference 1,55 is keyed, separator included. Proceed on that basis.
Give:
2,33
